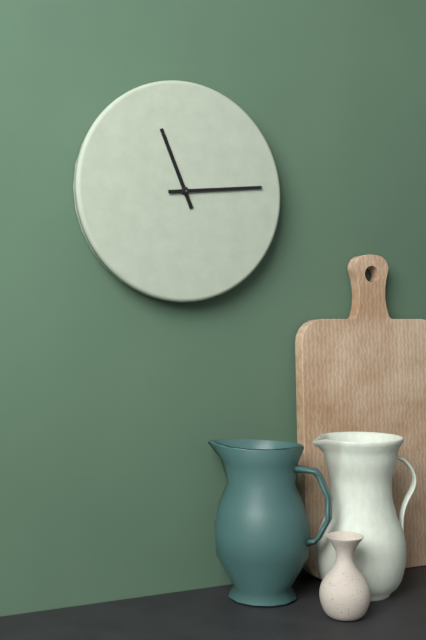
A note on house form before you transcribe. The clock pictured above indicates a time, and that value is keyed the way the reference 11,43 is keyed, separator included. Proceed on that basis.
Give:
11,14
